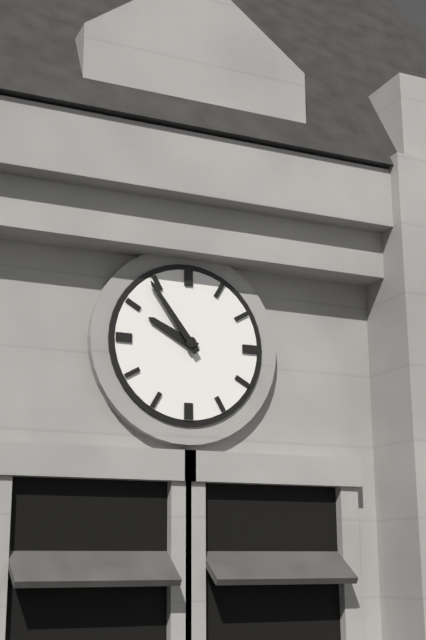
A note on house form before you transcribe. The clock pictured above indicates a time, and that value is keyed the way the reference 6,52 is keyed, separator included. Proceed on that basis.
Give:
9,54
